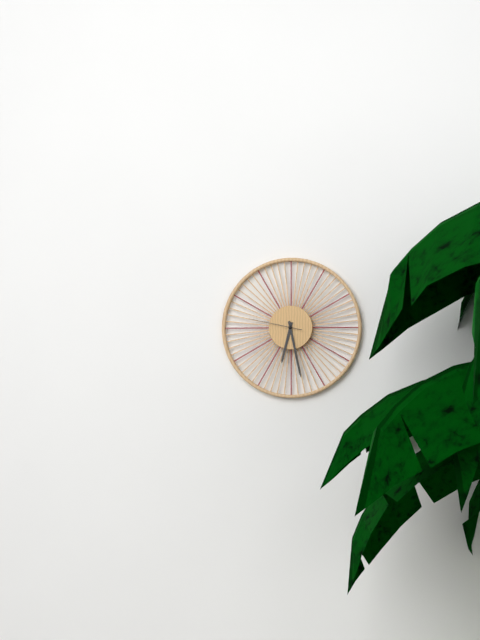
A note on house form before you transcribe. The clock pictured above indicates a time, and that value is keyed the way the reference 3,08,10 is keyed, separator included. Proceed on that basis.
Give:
6,28,47
